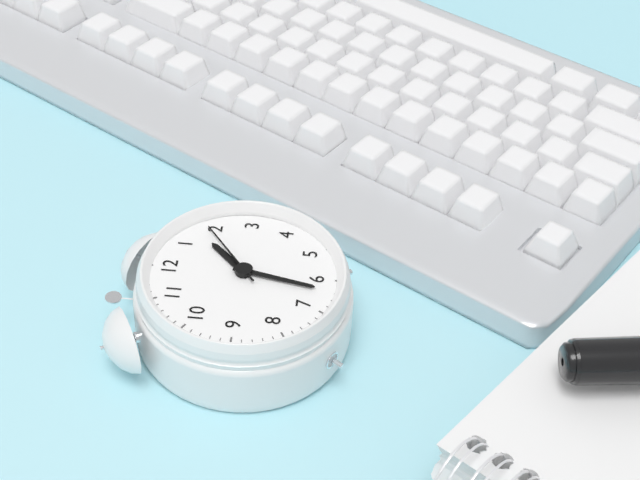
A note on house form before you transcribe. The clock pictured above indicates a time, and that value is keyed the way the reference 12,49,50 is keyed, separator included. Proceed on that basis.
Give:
1,32,09
